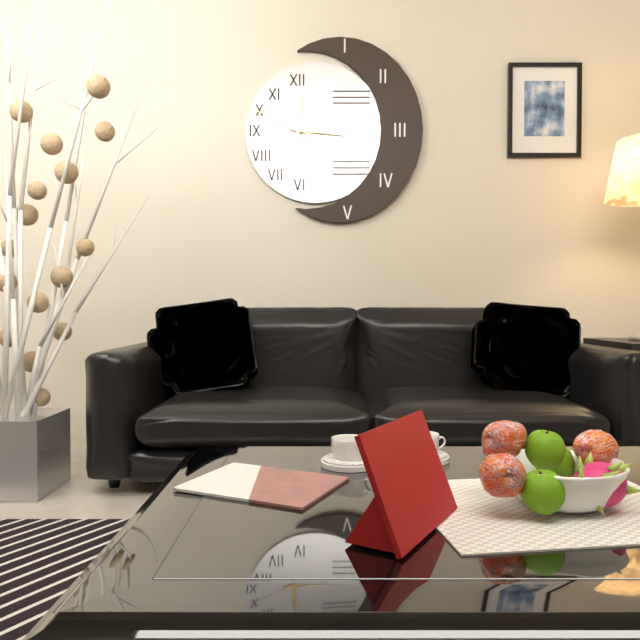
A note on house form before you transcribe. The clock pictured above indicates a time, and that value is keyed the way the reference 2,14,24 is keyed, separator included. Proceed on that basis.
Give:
12,16,49
